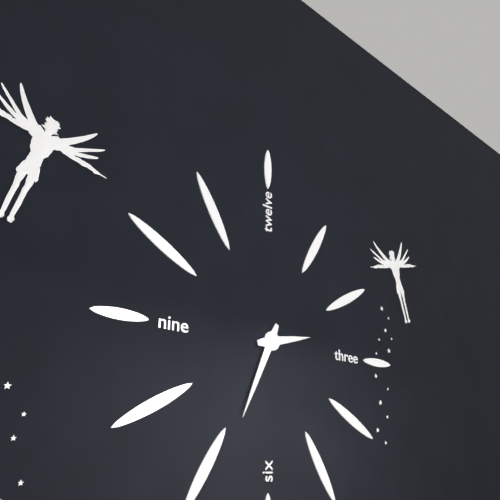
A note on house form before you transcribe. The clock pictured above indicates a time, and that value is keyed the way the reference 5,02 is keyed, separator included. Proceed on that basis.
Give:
2,34
